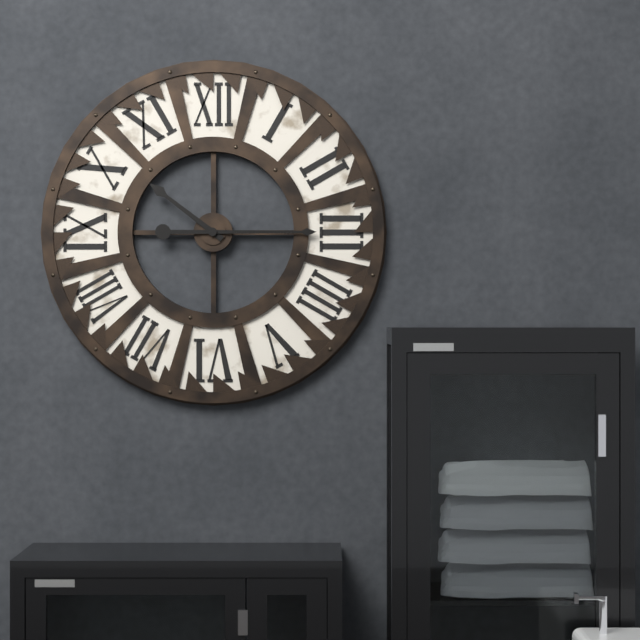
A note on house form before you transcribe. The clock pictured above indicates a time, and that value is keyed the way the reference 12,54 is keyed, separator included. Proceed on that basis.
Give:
10,15
